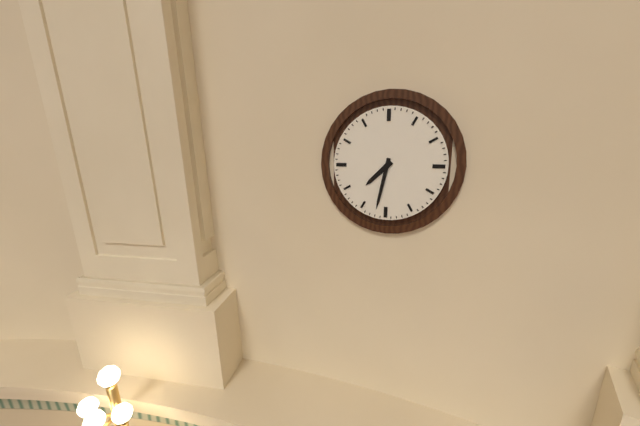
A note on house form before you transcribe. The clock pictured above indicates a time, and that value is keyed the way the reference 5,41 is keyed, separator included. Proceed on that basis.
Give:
7,32
